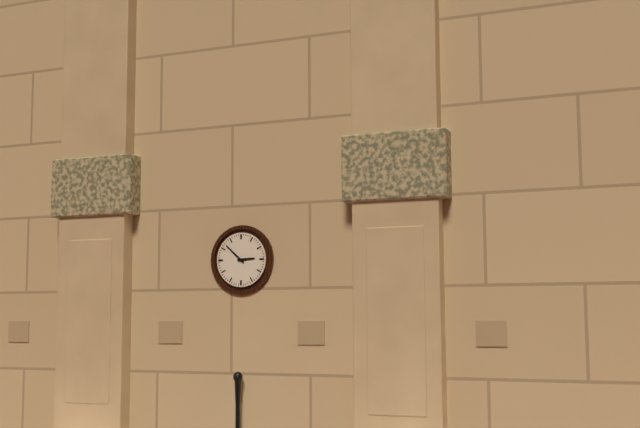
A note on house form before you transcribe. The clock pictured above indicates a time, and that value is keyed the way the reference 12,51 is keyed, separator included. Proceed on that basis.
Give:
2,52
